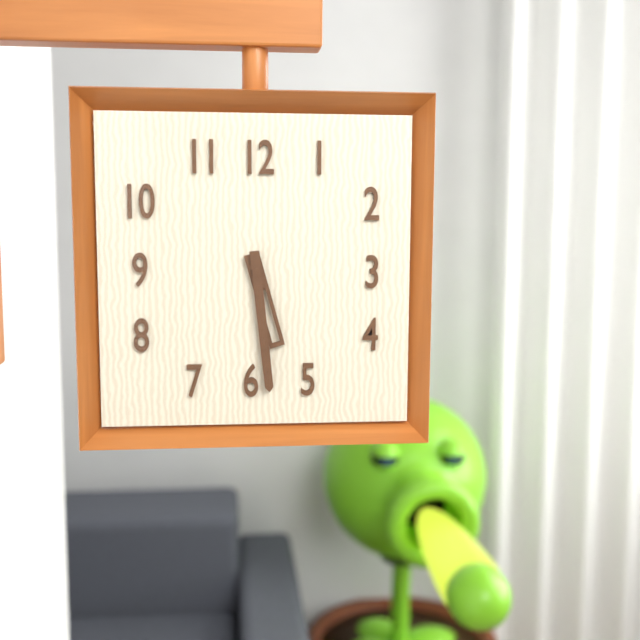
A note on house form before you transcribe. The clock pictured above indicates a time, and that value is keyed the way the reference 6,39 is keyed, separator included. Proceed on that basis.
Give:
5,29
